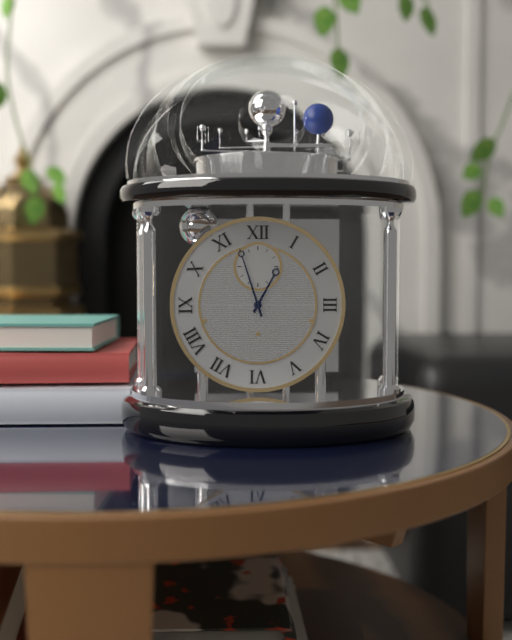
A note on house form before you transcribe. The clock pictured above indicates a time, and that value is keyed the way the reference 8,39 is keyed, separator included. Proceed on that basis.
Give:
12,57
